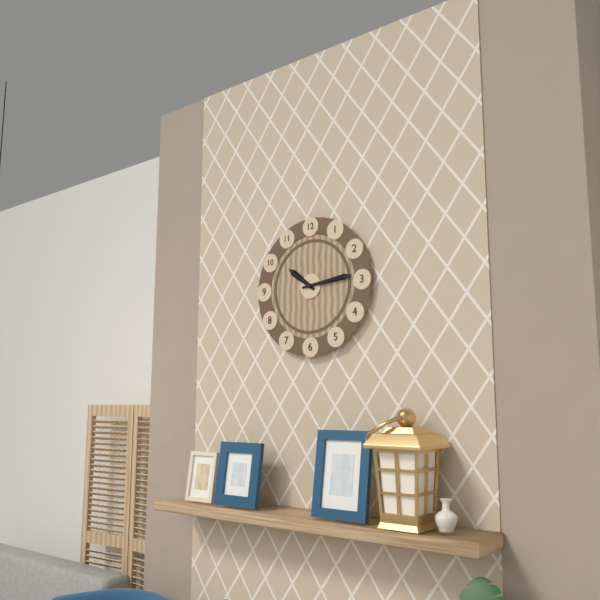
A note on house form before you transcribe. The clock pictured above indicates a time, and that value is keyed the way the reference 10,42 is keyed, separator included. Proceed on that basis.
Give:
10,14
